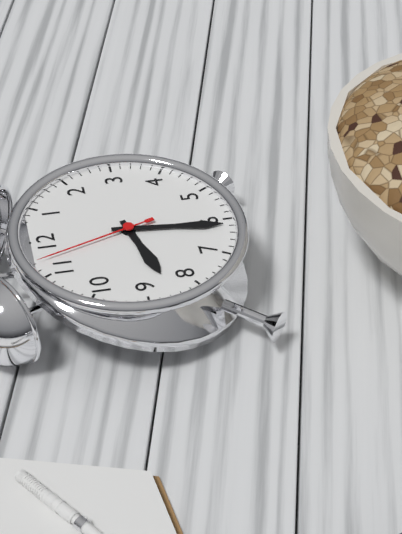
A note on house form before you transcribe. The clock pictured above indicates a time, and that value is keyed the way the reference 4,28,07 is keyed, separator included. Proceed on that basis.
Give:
8,31,57
